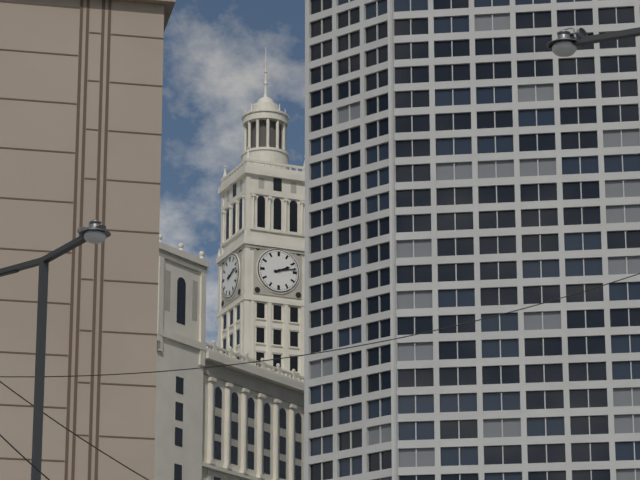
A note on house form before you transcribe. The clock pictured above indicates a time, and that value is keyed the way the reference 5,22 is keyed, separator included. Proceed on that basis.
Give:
2,13
